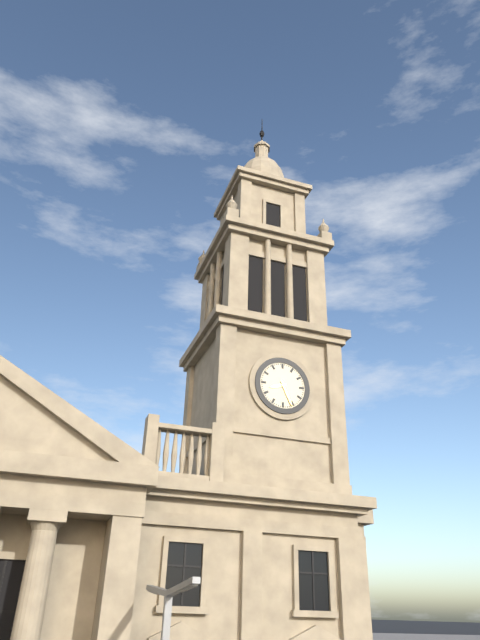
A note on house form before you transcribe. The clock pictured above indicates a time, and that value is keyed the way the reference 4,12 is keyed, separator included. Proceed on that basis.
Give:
8,26
